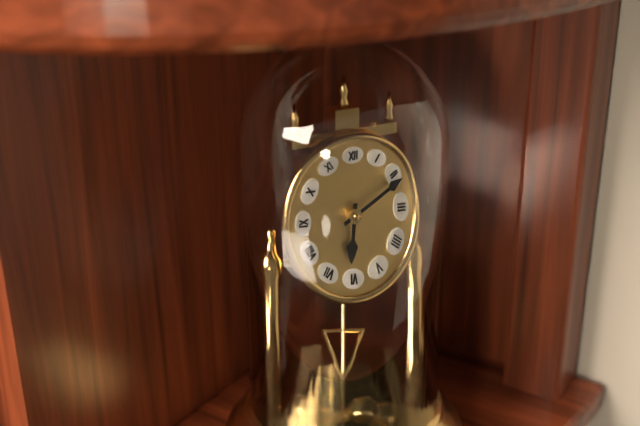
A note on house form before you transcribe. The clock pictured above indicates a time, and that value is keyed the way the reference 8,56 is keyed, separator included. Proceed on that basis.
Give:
6,11
